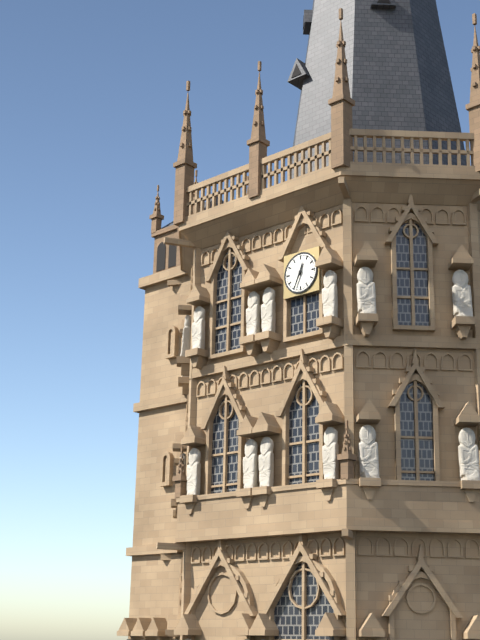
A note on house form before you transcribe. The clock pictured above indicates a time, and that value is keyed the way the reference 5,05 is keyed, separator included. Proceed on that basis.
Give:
12,34
